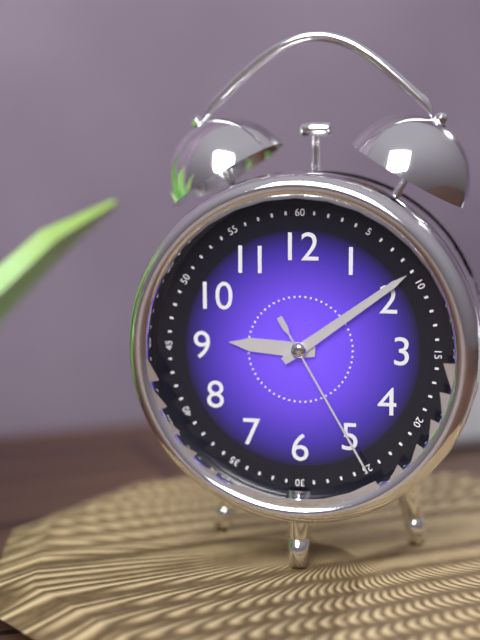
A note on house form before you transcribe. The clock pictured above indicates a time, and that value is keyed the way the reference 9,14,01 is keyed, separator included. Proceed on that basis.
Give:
9,09,25
